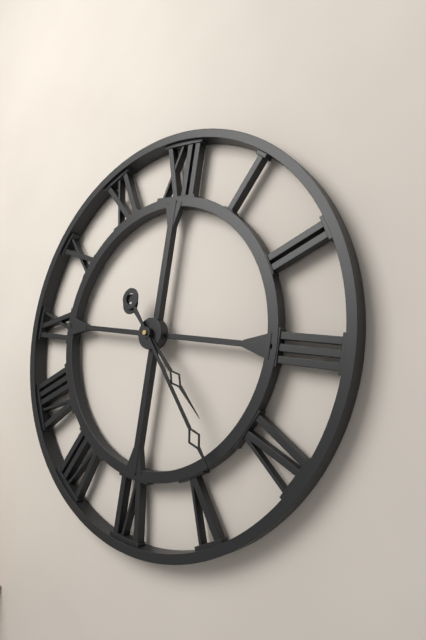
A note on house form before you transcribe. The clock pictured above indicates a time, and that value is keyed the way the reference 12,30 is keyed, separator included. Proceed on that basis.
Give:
4,23
